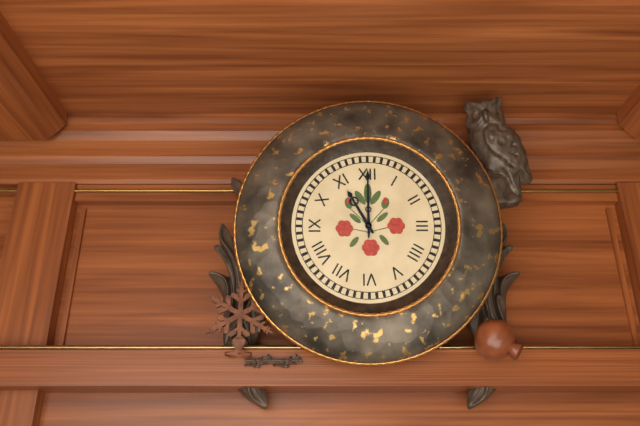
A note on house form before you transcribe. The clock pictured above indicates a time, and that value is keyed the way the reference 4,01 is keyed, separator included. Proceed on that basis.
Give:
11,00
